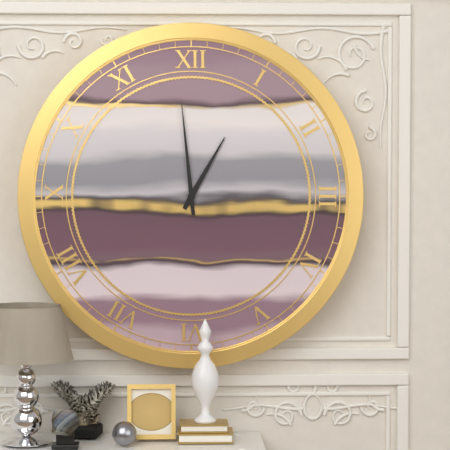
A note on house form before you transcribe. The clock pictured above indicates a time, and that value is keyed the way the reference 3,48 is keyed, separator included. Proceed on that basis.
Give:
12,59
